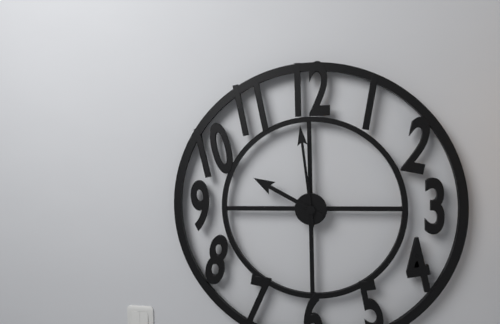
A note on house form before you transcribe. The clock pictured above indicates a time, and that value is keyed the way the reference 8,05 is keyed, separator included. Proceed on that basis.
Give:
9,59
